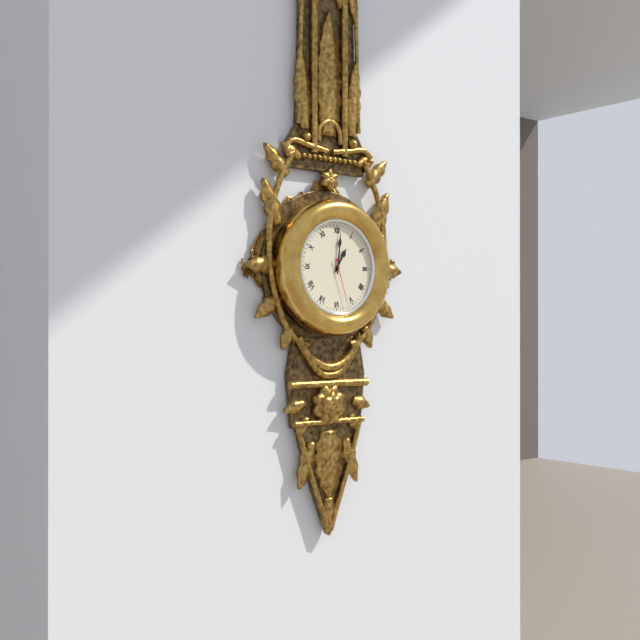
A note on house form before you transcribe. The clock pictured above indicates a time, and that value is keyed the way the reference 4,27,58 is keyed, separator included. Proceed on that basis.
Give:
1,01,27
